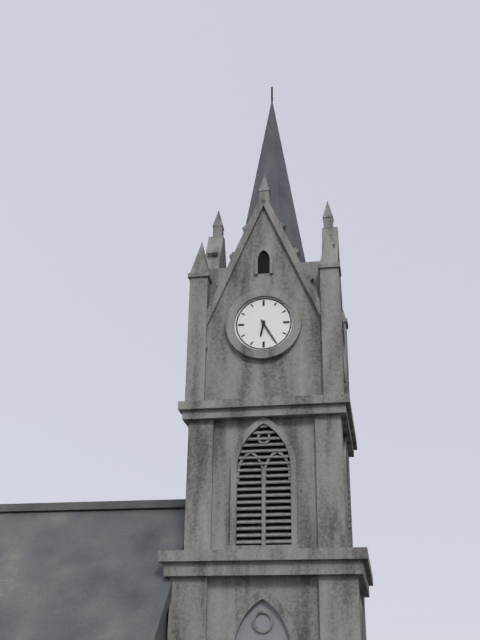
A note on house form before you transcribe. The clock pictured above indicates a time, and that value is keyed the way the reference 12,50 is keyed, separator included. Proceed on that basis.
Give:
6,25
